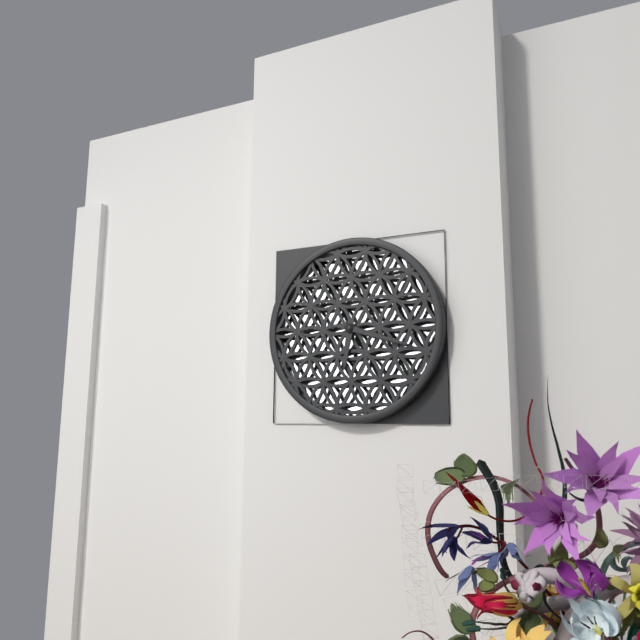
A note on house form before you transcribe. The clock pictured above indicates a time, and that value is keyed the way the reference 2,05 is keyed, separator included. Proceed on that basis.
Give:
6,18
